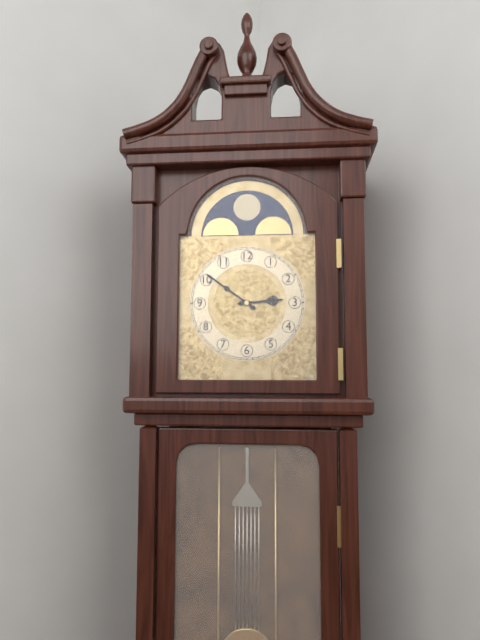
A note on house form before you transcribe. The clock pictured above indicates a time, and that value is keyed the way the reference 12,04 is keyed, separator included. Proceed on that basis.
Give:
2,51
